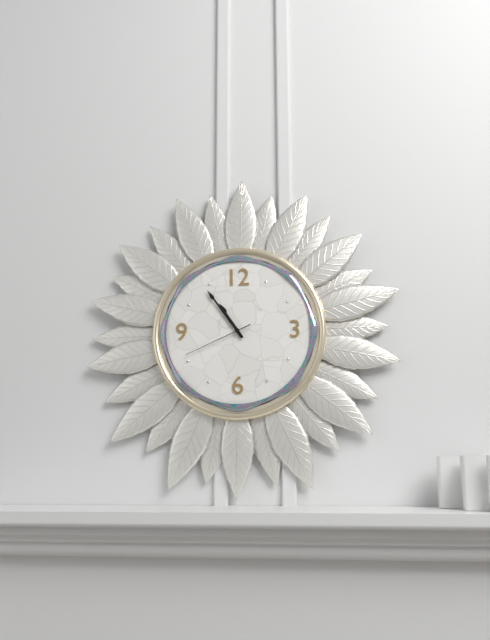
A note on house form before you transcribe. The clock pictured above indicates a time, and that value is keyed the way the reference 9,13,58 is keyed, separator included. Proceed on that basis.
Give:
10,54,41
